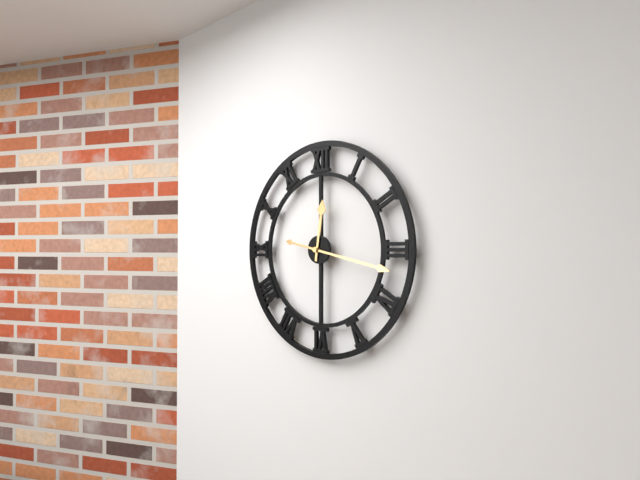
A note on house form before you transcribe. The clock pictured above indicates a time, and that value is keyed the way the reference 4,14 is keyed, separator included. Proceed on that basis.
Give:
12,17
